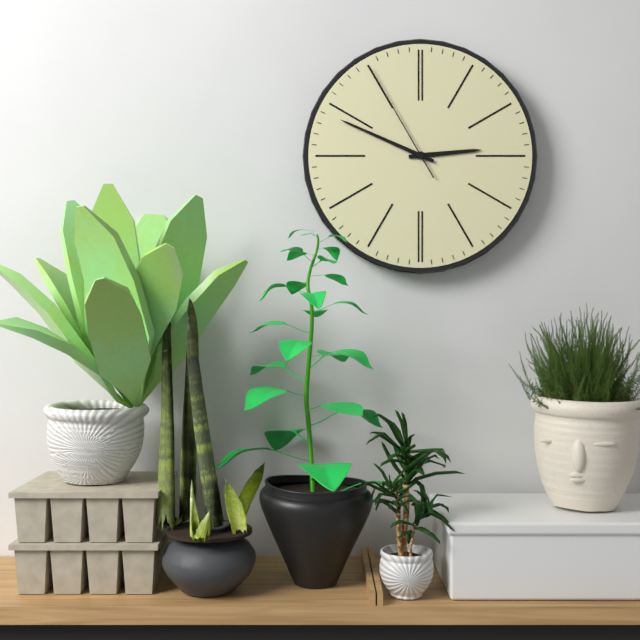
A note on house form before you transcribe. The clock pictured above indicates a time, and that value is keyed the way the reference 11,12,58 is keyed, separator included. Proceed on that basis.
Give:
2,49,55
